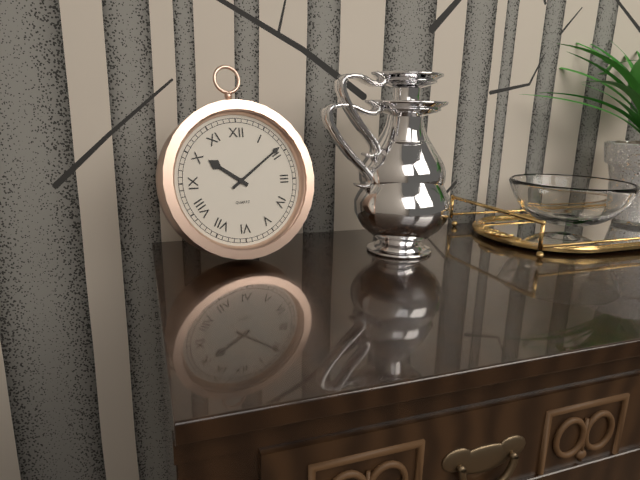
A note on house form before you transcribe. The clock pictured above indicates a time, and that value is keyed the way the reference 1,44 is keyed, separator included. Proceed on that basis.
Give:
10,09
